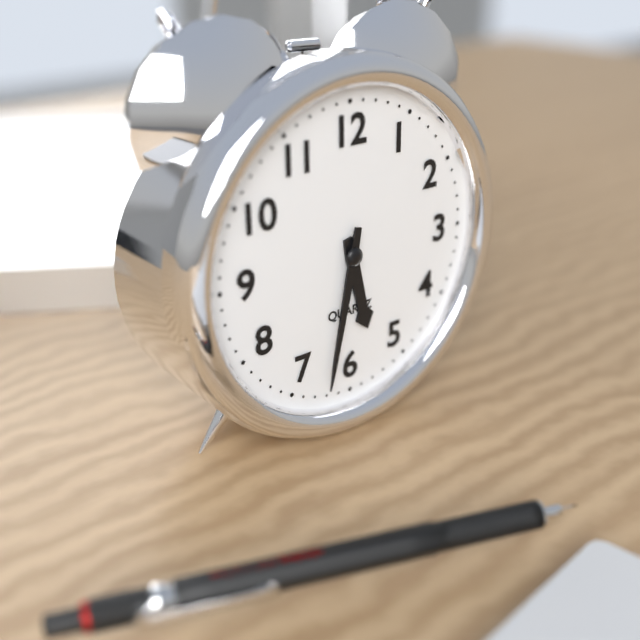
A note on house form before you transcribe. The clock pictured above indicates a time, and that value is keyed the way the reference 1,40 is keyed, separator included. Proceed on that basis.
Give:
5,32
